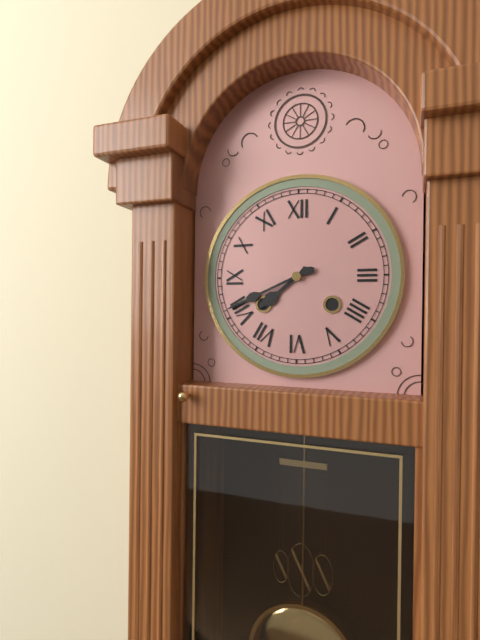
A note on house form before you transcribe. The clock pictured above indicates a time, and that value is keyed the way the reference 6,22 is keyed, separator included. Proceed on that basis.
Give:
7,41
